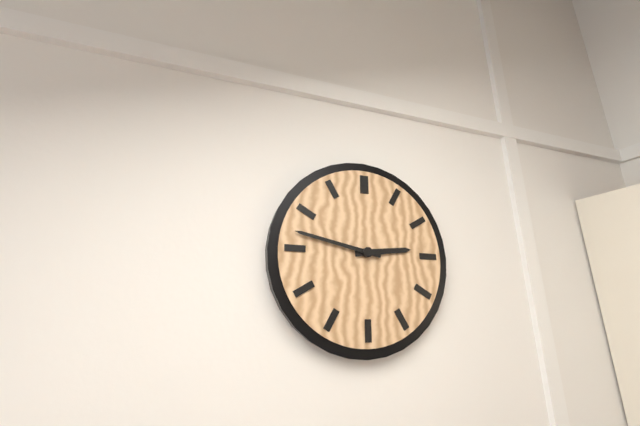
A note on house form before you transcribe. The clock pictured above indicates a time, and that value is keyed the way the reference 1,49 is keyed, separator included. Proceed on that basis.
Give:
2,47
